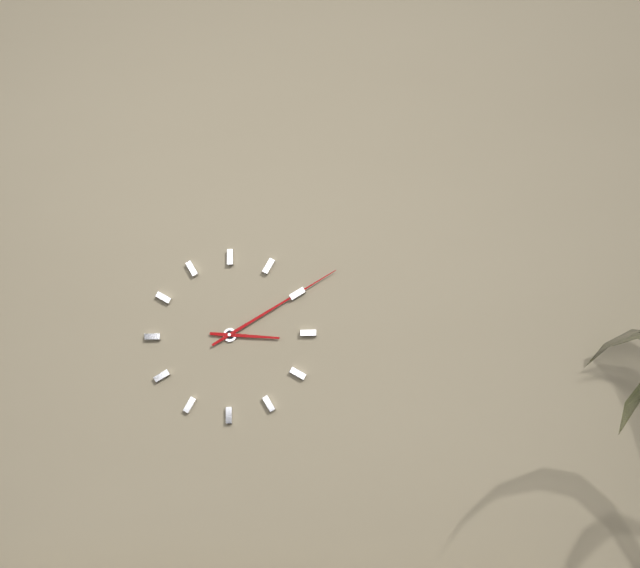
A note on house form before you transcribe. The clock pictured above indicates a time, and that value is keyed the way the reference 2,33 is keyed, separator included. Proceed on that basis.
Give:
3,10
